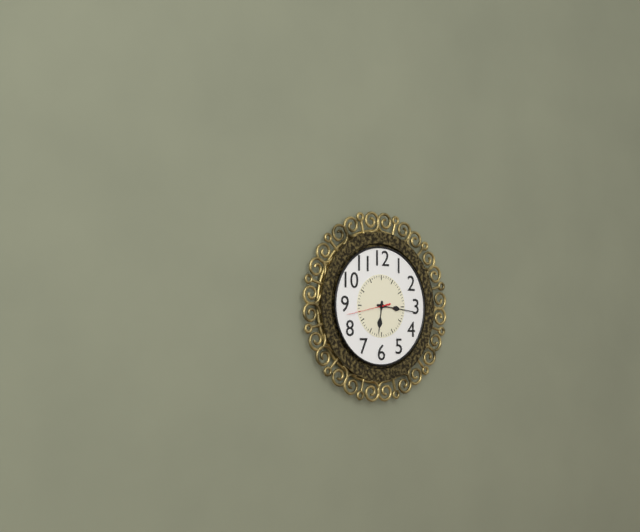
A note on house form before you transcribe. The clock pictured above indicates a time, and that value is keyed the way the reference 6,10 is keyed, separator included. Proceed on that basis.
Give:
6,16
